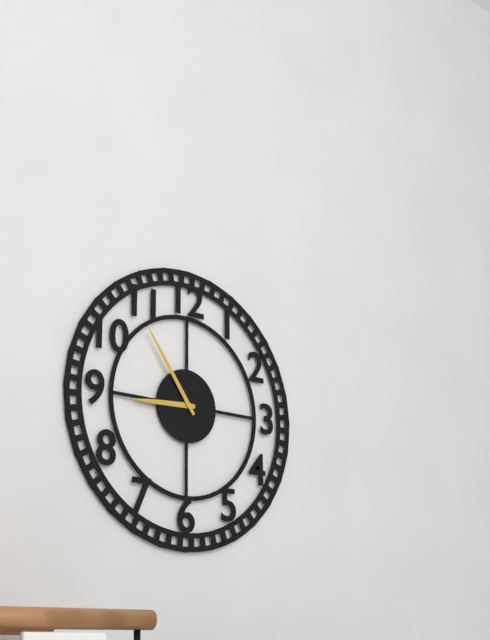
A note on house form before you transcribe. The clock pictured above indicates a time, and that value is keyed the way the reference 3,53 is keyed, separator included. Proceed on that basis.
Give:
8,54
